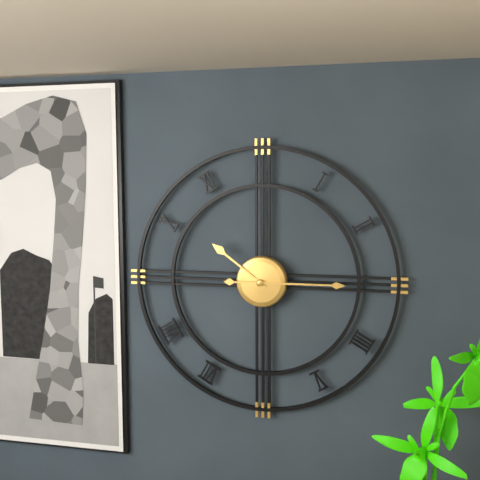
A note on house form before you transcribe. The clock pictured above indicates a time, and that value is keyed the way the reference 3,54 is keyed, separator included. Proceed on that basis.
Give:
10,15
